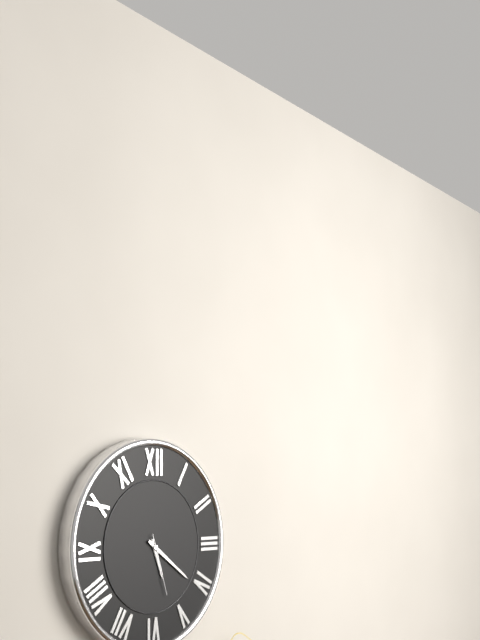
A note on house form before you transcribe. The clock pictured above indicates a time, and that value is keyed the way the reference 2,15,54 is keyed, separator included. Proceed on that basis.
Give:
5,21,27
